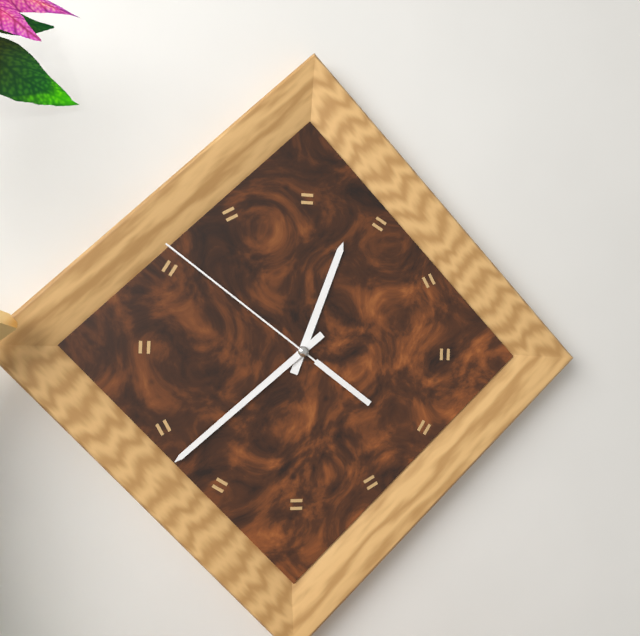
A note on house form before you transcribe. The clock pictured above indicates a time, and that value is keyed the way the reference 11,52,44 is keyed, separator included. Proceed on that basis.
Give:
12,38,51
